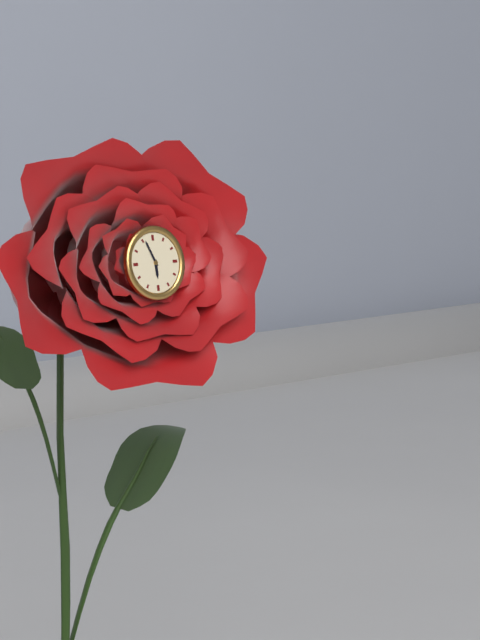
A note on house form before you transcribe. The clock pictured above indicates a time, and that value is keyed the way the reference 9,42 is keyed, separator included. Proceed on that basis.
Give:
5,56
